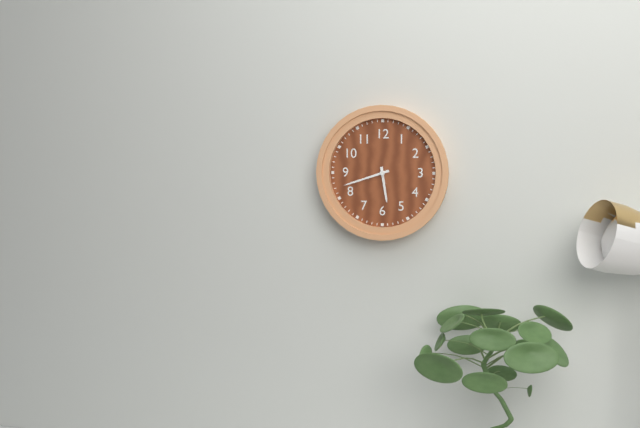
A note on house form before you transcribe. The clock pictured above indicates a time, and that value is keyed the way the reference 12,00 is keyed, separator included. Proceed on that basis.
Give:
5,42
